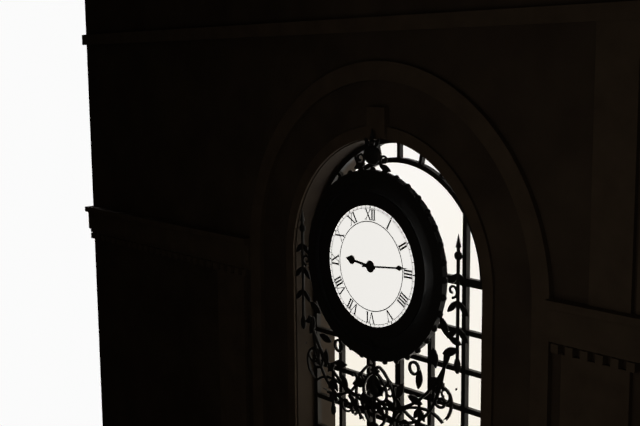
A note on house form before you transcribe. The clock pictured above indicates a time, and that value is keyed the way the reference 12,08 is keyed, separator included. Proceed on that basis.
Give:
9,14
